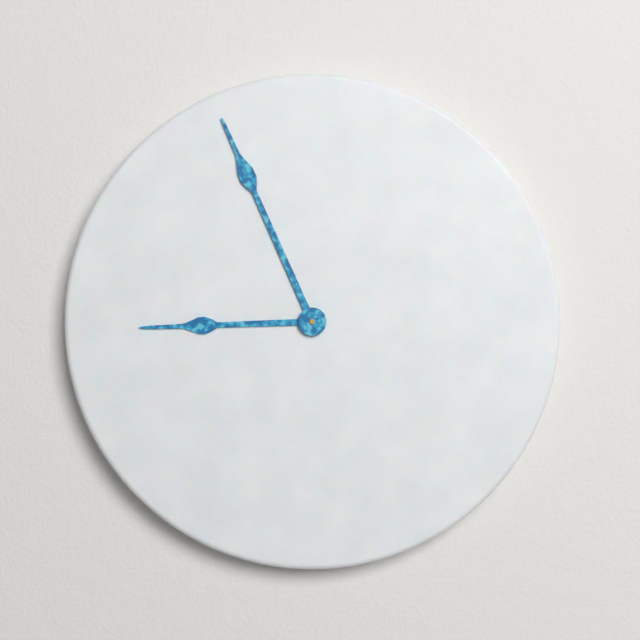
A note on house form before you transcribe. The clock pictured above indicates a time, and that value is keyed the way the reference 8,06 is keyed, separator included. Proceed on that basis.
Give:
8,56
